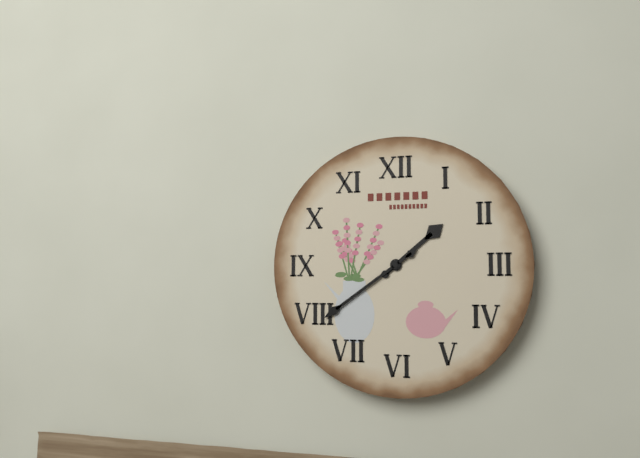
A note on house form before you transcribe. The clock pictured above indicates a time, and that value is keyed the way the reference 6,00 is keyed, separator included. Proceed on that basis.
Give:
1,39
